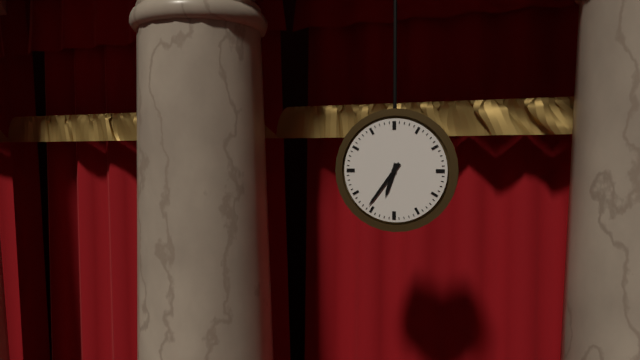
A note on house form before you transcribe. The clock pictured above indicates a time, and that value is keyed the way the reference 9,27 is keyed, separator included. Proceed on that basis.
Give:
6,36
